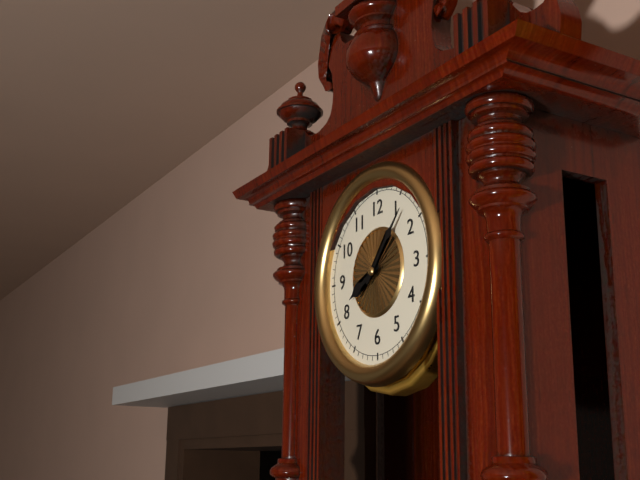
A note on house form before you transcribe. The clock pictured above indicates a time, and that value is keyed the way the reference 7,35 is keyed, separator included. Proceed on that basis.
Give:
8,07
